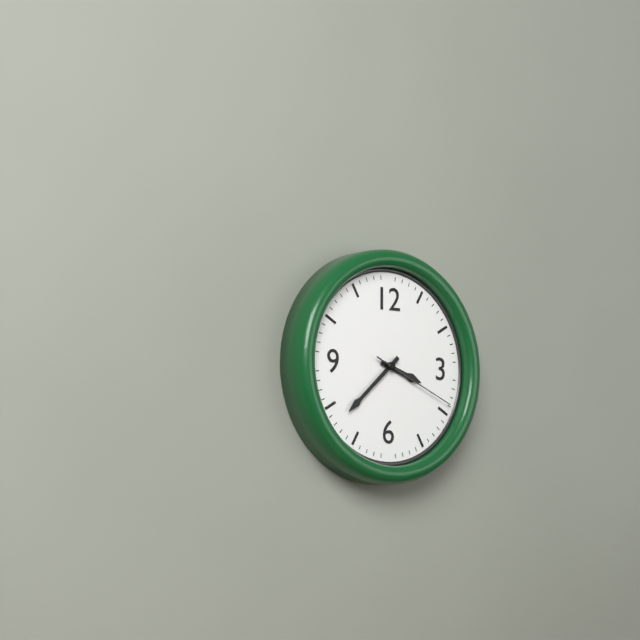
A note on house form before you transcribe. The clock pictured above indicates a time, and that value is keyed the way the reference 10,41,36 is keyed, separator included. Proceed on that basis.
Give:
3,38,19
